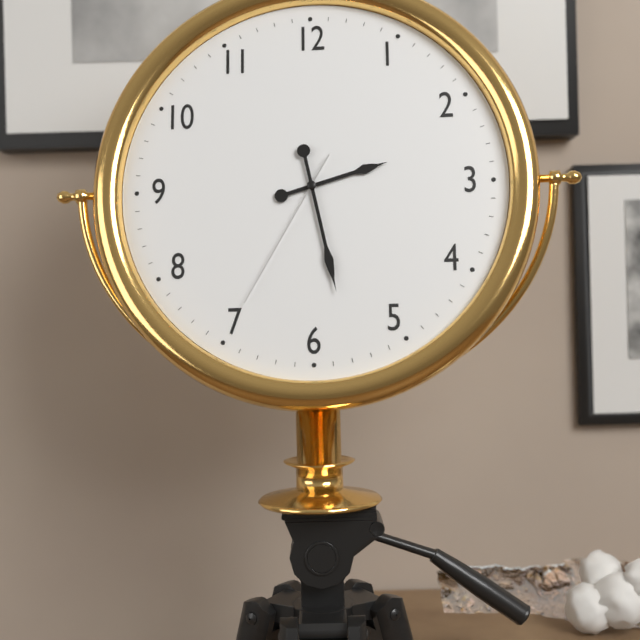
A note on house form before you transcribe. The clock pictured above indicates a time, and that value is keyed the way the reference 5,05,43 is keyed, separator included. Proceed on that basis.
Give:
2,28,35
